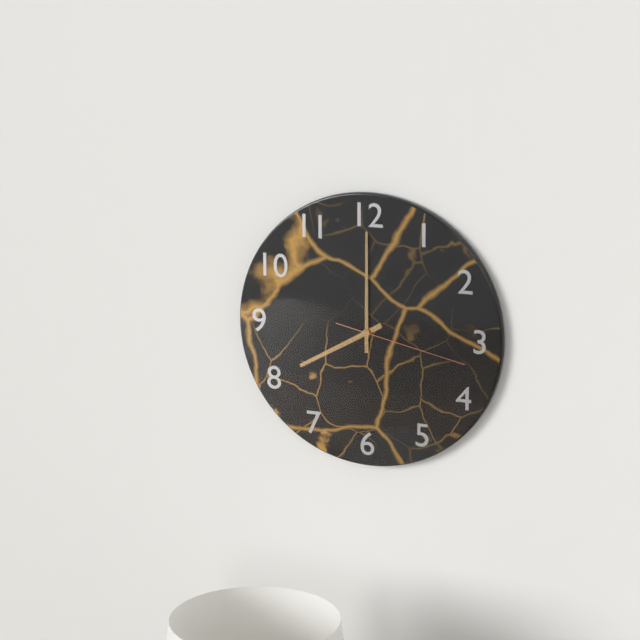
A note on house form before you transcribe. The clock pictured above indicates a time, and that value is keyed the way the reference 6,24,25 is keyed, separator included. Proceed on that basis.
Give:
8,00,17
